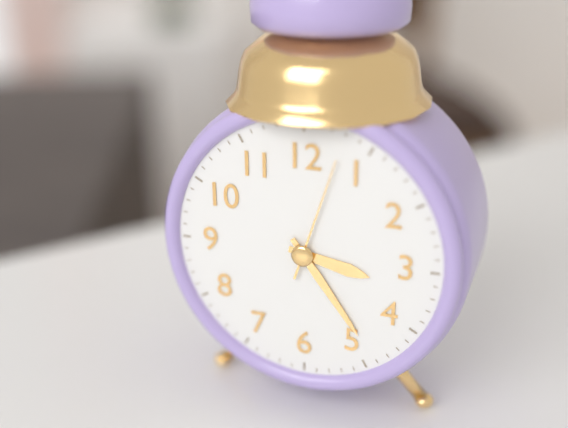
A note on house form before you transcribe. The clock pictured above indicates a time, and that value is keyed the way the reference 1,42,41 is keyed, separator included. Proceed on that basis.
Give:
3,24,03
